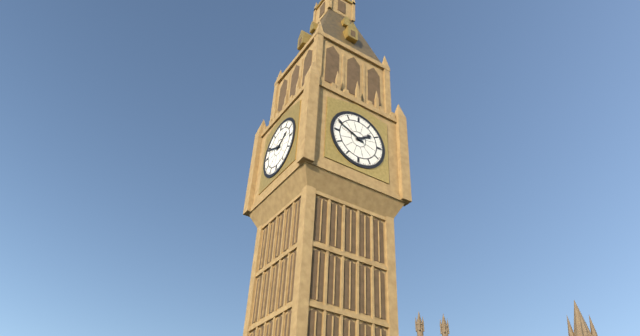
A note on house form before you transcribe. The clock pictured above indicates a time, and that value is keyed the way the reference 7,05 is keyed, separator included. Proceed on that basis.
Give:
1,49
